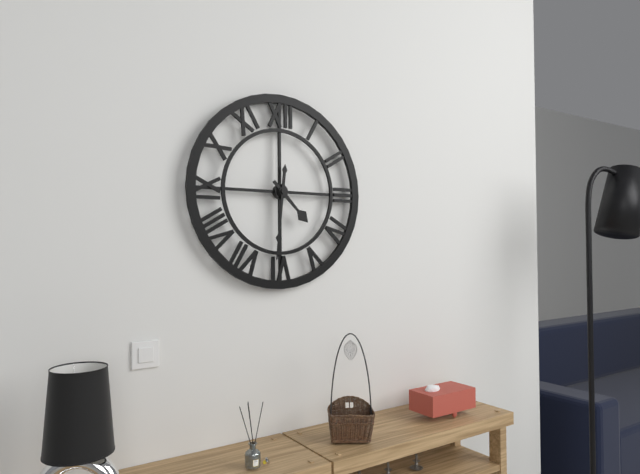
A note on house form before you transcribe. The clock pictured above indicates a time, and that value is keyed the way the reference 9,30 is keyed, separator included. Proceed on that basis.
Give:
4,31
